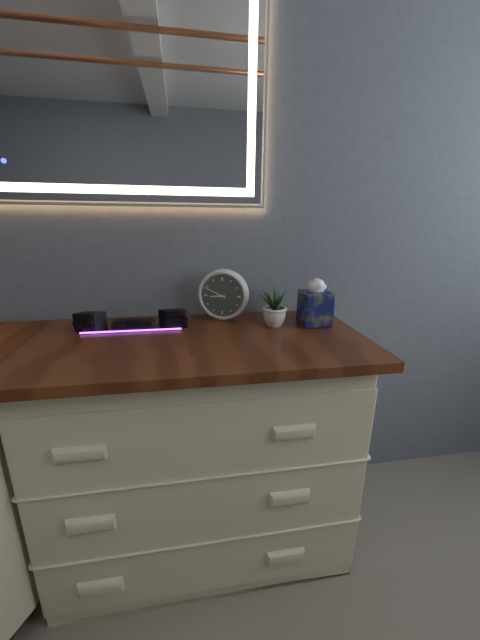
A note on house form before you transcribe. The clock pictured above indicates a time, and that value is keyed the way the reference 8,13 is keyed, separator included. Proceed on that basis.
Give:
8,49
